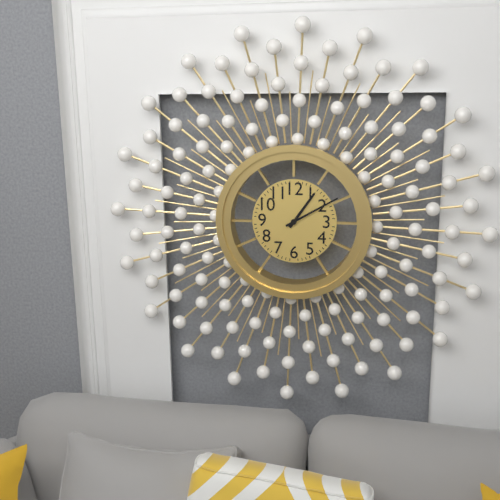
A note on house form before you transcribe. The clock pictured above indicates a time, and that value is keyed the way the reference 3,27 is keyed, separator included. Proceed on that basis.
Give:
1,10
